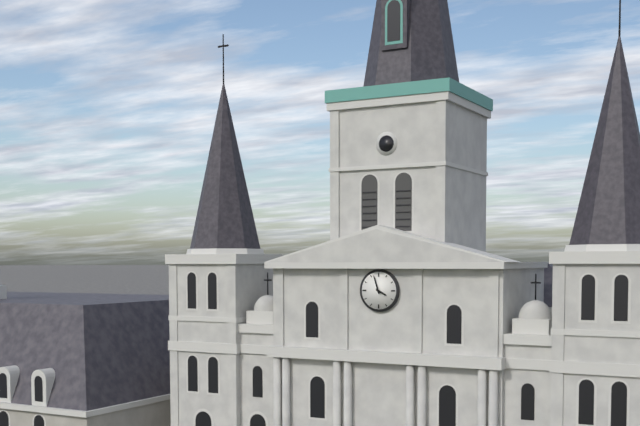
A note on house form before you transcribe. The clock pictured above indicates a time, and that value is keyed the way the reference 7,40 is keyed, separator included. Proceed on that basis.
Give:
3,57
